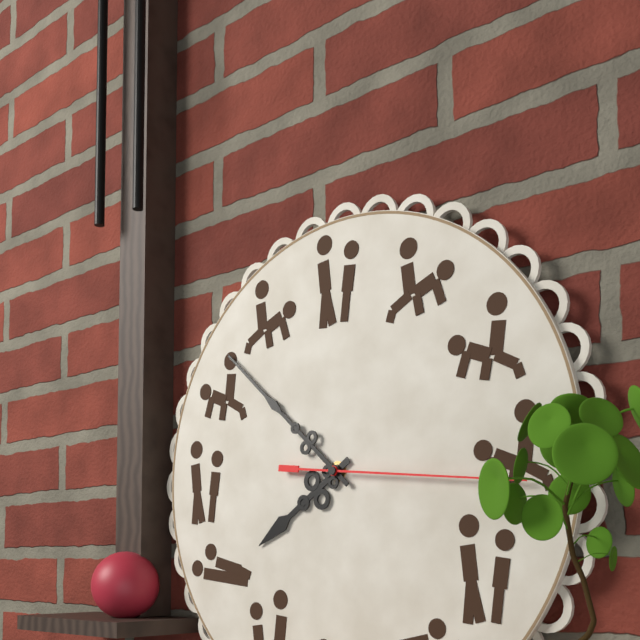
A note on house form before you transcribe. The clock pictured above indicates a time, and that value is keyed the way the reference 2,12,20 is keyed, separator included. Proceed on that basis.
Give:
7,52,16
